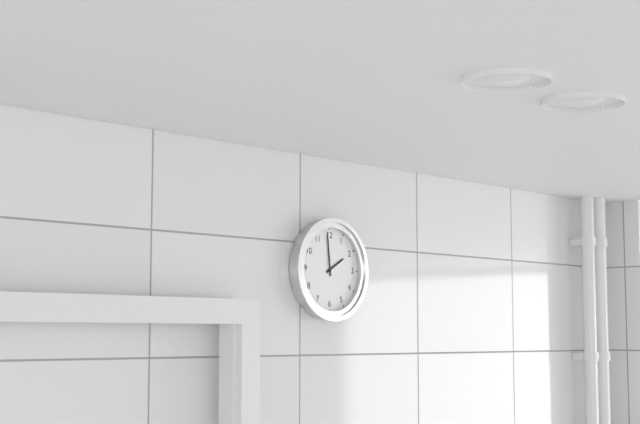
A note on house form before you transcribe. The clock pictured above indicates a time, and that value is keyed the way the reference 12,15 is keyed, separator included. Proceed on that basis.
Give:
1,59
